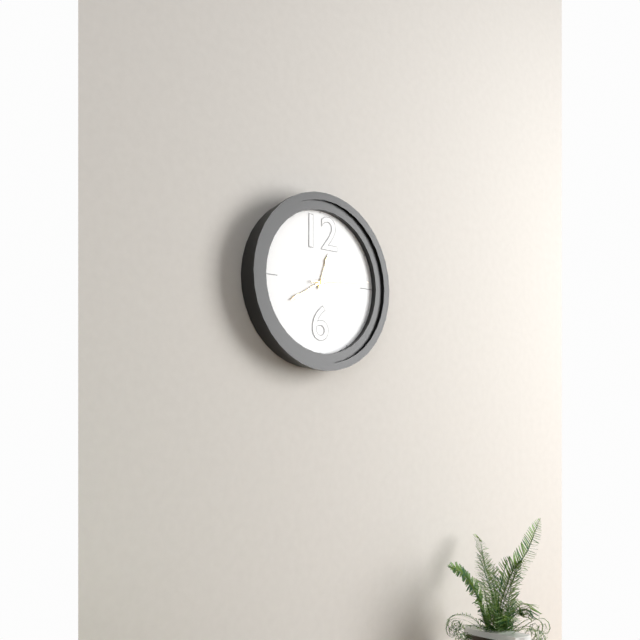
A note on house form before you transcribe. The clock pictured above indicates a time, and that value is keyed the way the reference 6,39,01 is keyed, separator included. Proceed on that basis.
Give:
12,40,14
